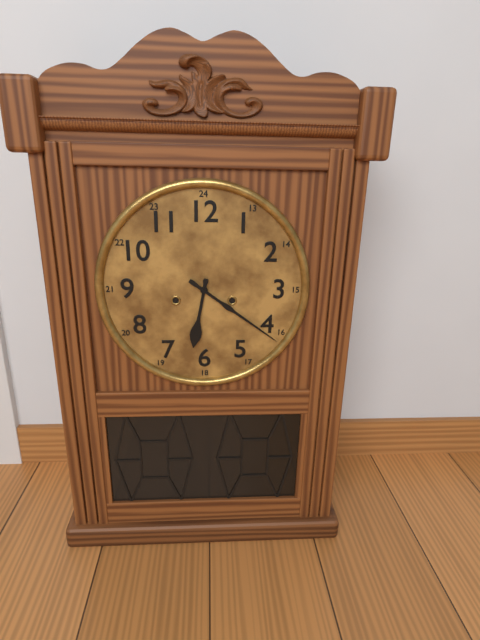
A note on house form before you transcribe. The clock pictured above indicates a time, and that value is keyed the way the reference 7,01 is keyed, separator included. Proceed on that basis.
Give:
6,21
